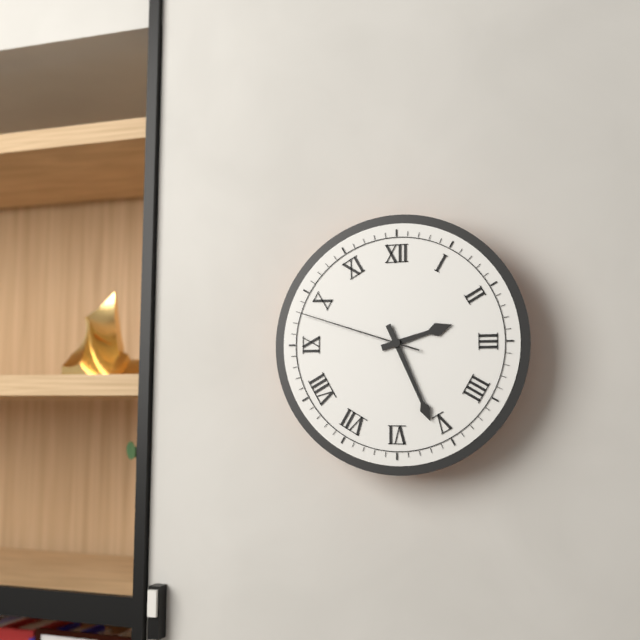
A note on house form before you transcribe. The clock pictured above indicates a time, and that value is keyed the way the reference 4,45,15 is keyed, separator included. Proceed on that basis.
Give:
2,26,48
